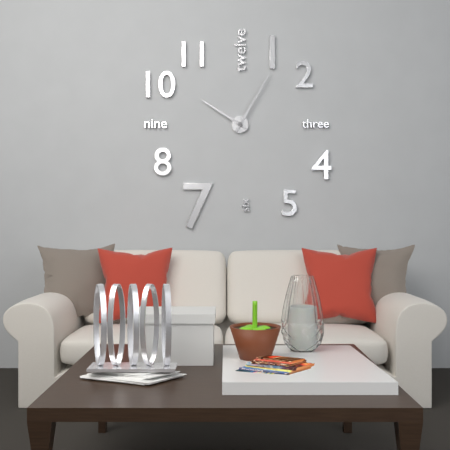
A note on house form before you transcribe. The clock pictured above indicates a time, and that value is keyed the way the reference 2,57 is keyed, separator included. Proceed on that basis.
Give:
10,05
